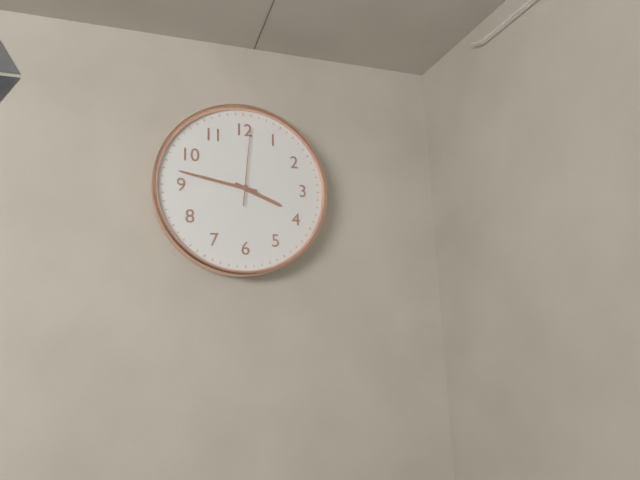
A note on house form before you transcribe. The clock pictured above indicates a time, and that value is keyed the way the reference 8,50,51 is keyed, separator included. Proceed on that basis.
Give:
3,47,01
